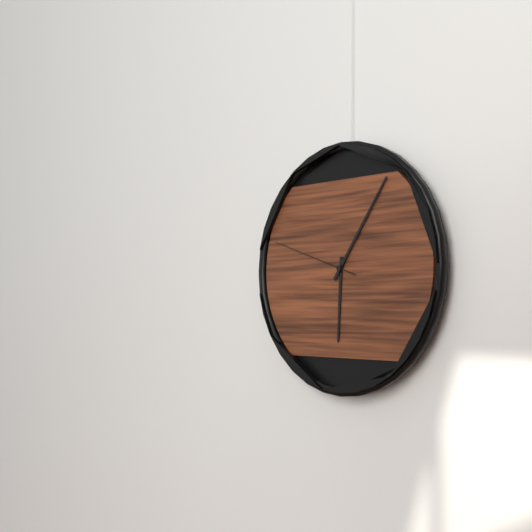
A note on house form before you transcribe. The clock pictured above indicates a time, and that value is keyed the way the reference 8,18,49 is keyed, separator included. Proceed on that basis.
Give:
6,06,48
